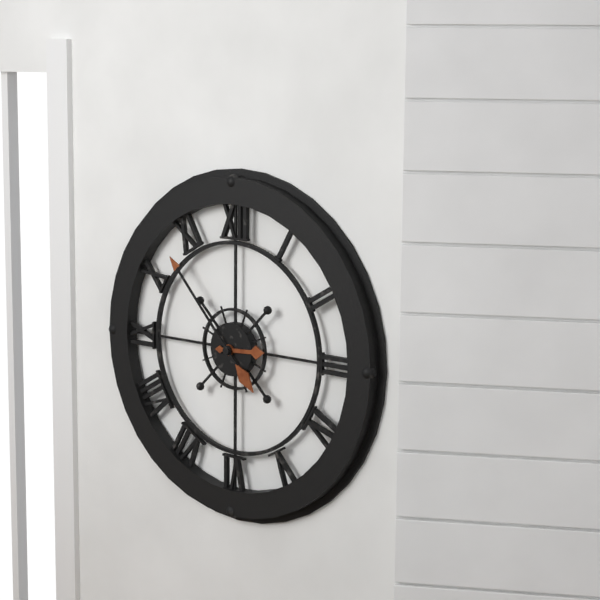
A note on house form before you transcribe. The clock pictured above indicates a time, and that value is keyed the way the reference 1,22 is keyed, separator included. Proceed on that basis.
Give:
2,53
